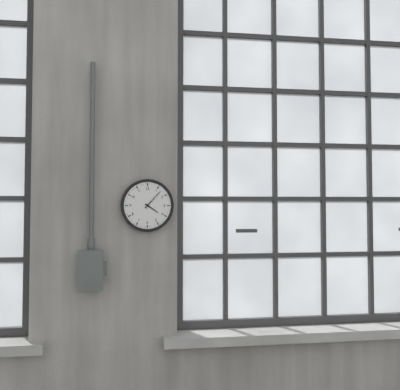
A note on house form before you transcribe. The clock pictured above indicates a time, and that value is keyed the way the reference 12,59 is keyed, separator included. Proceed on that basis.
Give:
4,07
